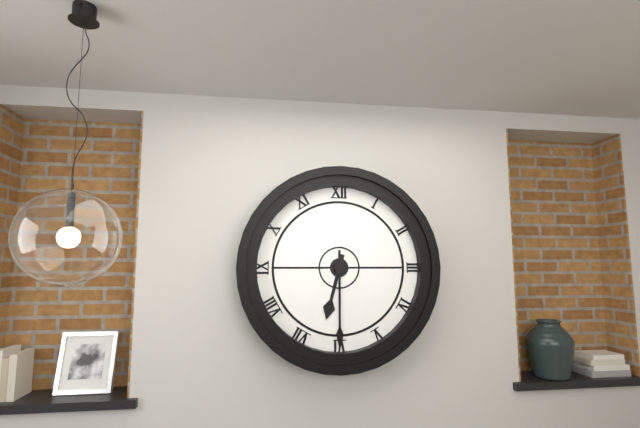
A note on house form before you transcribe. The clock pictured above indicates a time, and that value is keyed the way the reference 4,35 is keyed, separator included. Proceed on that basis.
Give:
6,30
